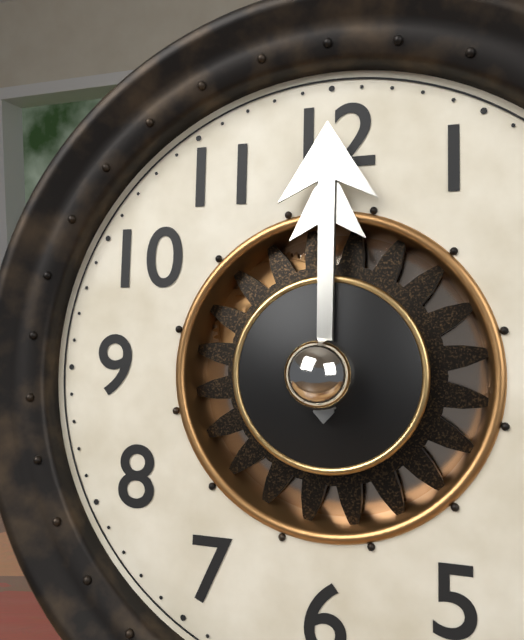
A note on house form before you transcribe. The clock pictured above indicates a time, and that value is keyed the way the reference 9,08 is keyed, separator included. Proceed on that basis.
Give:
12,00
